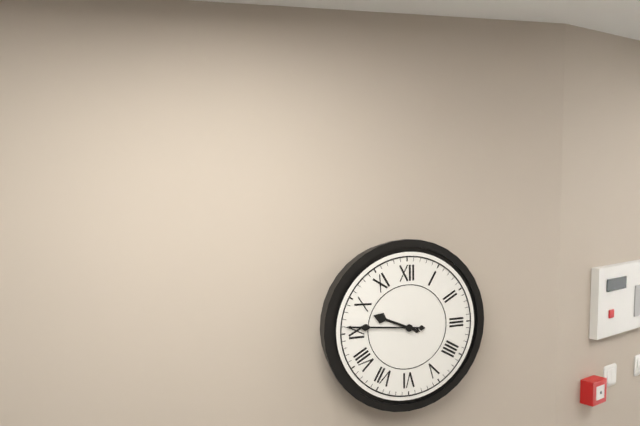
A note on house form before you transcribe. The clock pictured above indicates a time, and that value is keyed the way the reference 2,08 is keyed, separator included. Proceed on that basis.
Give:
9,46
